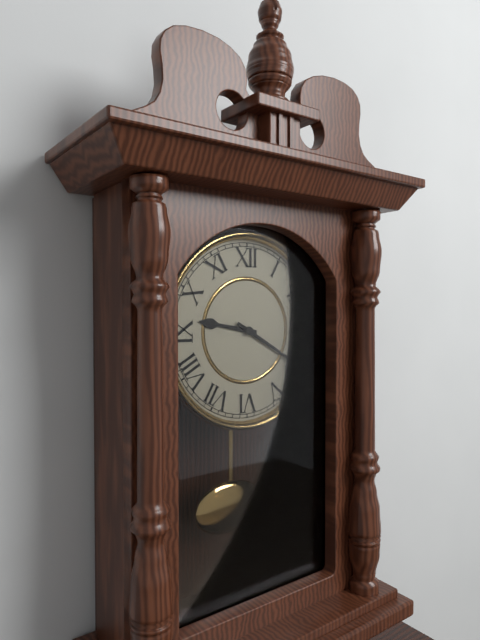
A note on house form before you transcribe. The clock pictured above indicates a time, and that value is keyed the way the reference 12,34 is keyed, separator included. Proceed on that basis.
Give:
9,20
